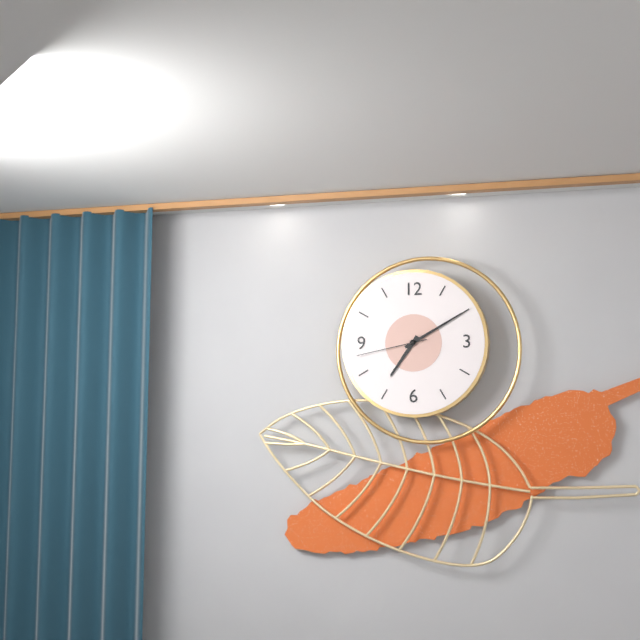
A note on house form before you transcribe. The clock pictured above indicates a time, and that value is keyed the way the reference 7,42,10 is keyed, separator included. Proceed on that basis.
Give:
7,10,43
